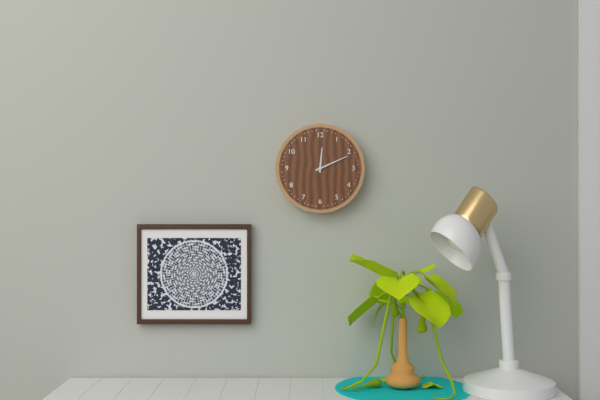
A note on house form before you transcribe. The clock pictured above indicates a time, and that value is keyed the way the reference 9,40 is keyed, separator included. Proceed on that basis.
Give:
12,11
